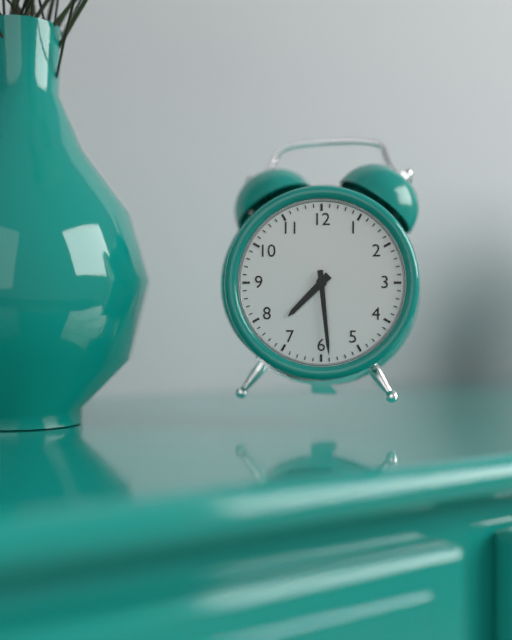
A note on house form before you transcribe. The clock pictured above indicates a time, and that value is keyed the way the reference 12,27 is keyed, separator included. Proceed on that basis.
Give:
7,29
